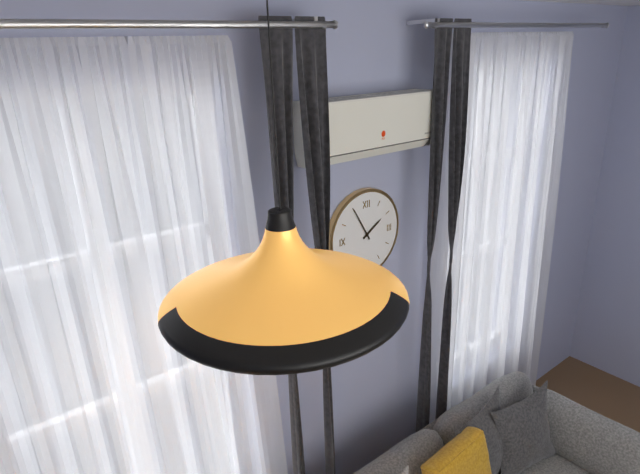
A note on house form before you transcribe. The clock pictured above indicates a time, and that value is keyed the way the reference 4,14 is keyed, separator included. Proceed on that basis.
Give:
1,55
